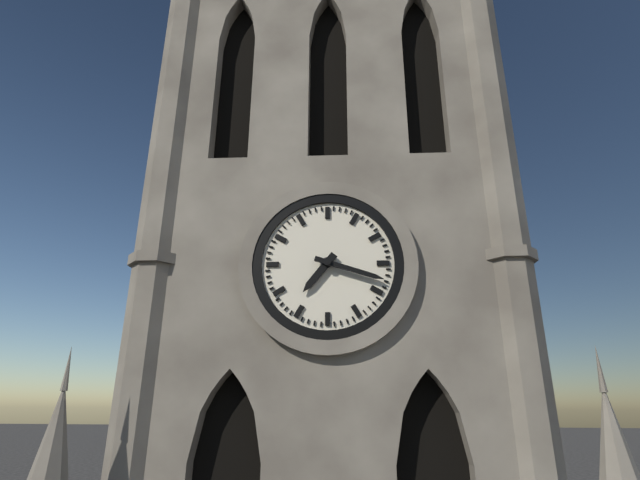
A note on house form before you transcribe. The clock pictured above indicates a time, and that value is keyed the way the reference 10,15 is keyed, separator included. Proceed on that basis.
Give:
7,18
